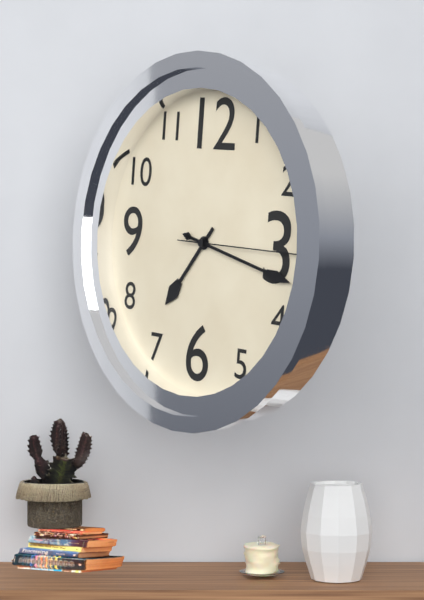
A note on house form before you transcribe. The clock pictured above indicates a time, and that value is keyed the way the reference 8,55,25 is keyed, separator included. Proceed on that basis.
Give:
7,17,15
